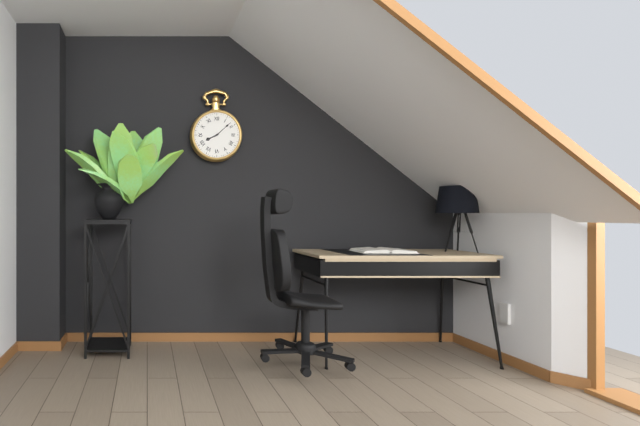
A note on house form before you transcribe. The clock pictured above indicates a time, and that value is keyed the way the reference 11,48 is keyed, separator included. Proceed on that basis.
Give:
8,08
